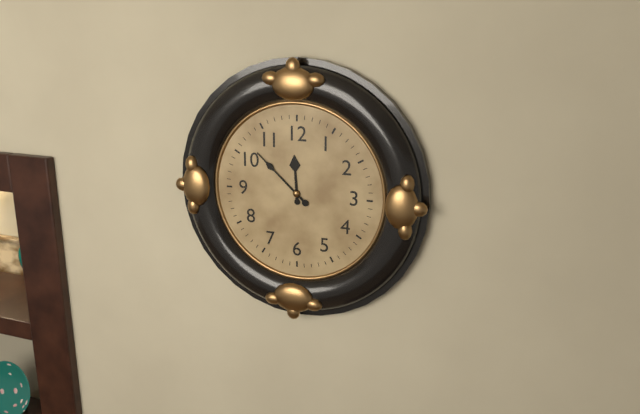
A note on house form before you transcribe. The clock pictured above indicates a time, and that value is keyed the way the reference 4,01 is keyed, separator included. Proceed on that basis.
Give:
11,52
